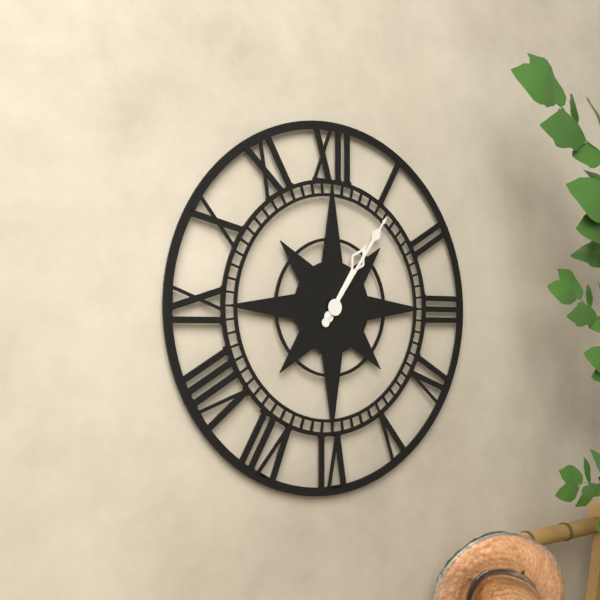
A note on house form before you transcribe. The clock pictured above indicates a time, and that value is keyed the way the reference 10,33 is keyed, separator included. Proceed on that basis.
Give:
1,06
